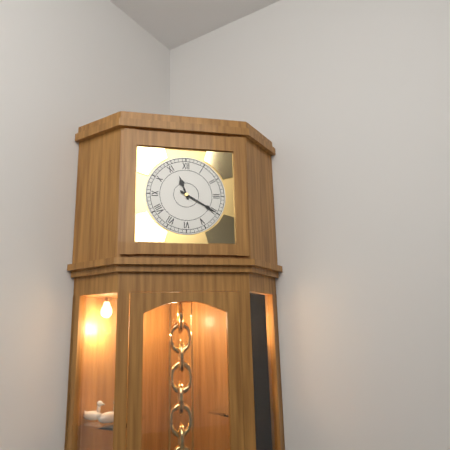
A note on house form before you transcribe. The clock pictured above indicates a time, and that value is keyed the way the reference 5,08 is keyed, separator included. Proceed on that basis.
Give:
11,20
